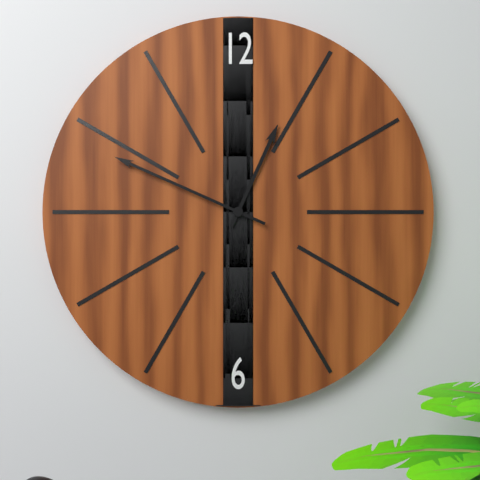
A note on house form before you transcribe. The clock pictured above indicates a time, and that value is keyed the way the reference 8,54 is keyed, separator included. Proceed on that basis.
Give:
12,49
